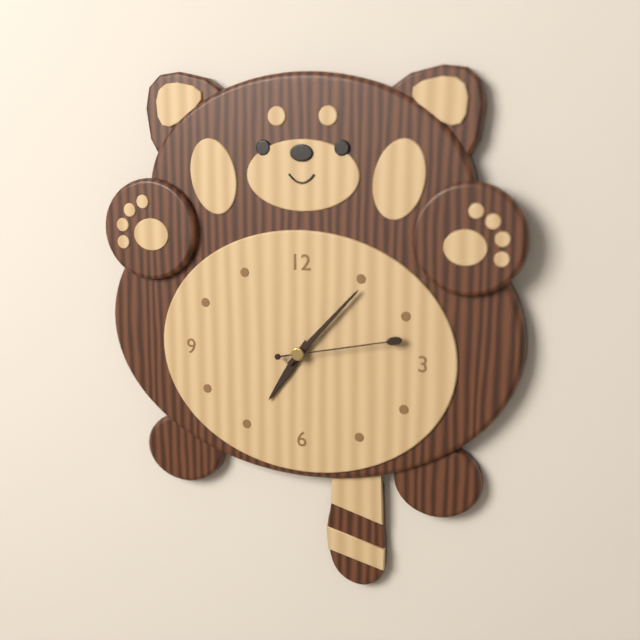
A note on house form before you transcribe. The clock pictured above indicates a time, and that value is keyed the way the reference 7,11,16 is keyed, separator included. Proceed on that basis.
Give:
7,07,13
